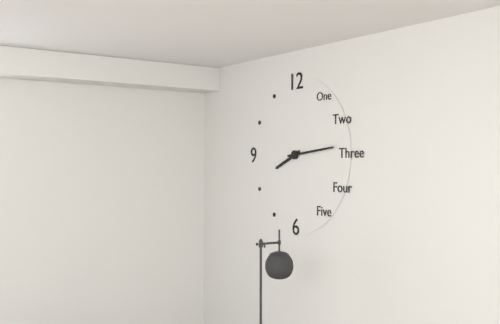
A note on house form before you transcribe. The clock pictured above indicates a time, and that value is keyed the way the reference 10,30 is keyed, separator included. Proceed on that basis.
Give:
8,14
